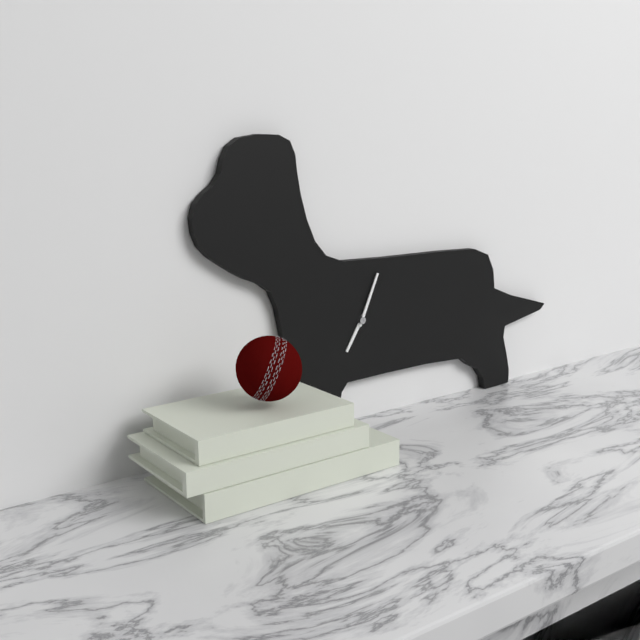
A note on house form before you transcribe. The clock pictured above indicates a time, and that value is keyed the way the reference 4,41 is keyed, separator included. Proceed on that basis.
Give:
7,04
